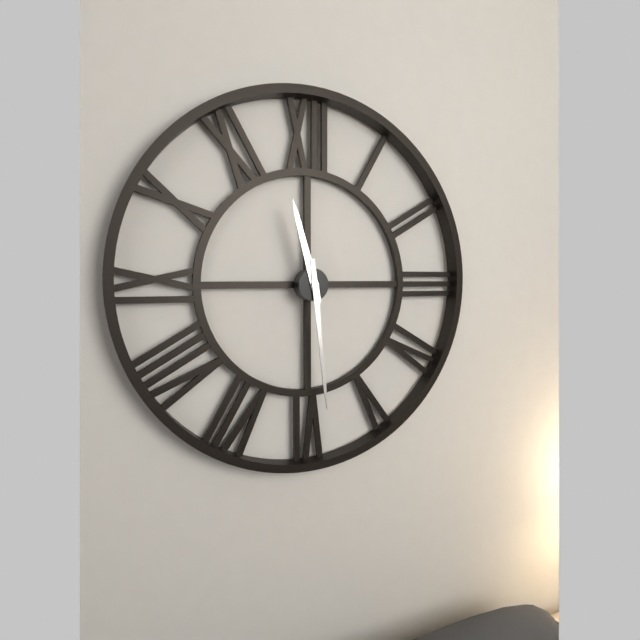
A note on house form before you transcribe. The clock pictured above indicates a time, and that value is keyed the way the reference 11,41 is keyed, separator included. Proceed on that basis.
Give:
11,29
